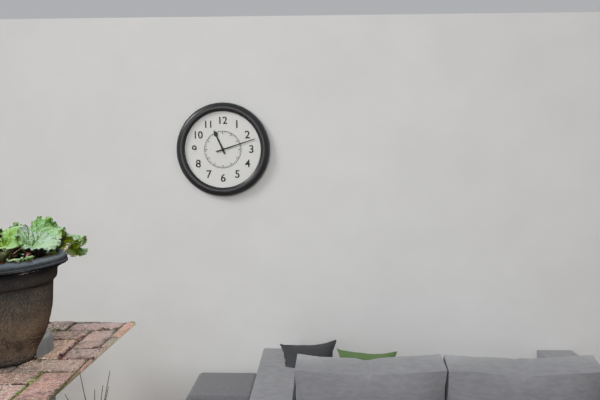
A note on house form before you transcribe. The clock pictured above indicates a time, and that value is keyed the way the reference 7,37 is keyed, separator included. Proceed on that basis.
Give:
11,12
